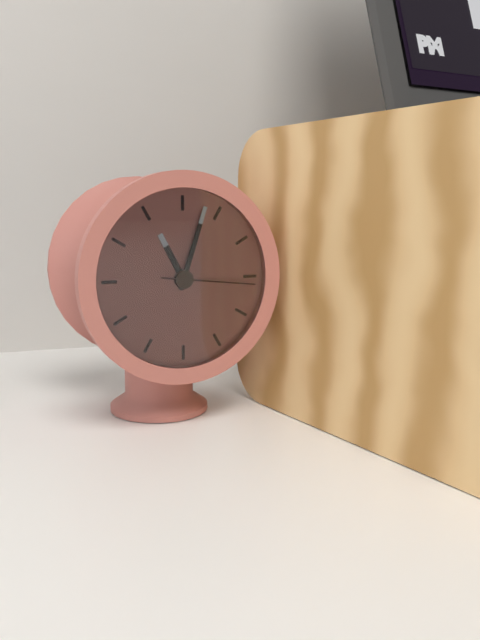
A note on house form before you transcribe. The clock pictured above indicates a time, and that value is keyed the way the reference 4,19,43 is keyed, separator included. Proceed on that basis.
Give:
11,03,16
